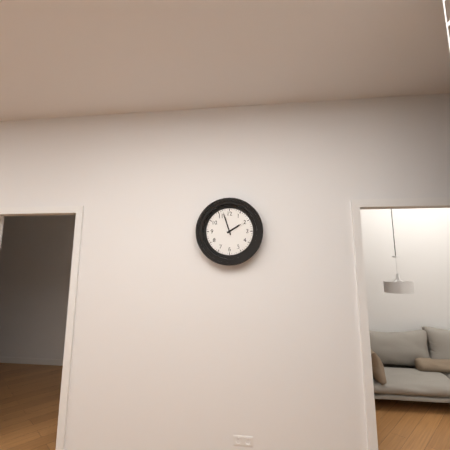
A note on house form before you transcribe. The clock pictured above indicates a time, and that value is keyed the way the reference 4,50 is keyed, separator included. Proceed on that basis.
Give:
1,57
